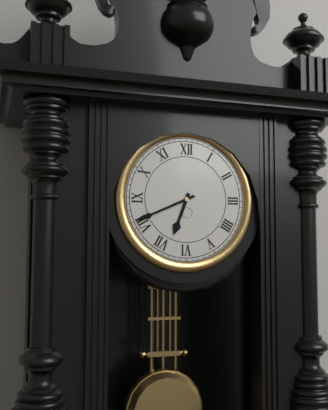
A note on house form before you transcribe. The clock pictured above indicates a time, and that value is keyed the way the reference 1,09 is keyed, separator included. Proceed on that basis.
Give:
6,41
